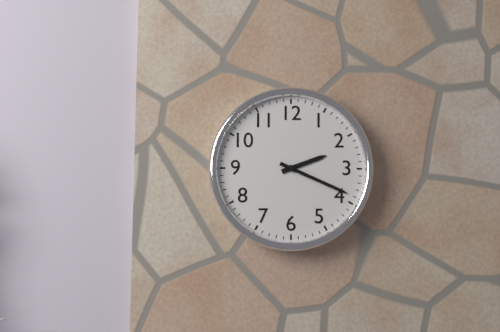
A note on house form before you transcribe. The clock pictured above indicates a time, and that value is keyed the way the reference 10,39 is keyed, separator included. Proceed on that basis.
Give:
2,19
